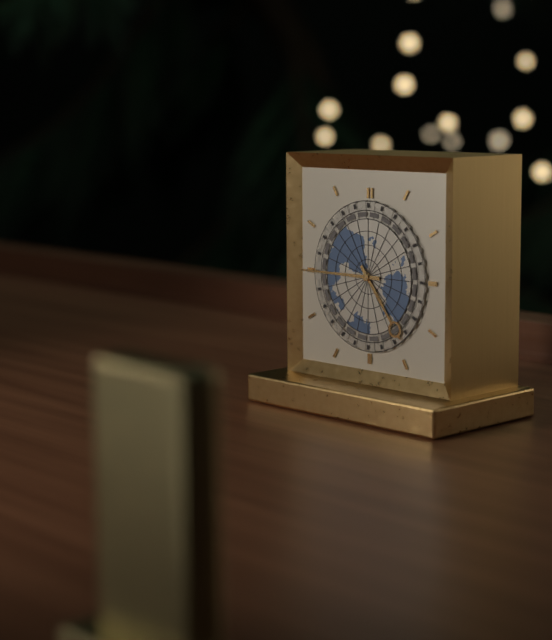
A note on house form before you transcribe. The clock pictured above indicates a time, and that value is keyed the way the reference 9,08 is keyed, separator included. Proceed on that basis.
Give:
4,45
